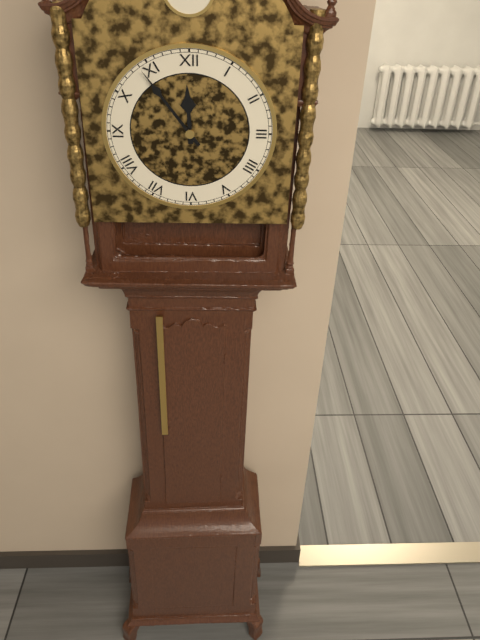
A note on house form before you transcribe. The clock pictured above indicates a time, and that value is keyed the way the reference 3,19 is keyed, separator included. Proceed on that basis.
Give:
11,54
